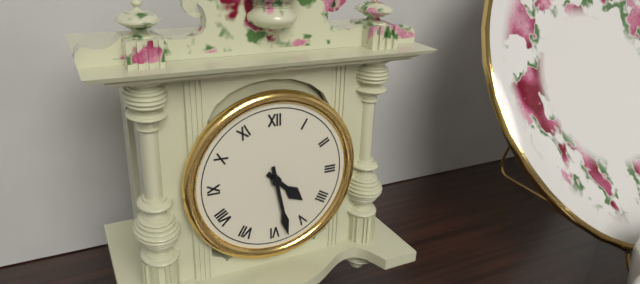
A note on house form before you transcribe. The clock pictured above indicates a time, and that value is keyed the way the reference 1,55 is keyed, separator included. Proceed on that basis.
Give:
4,28
